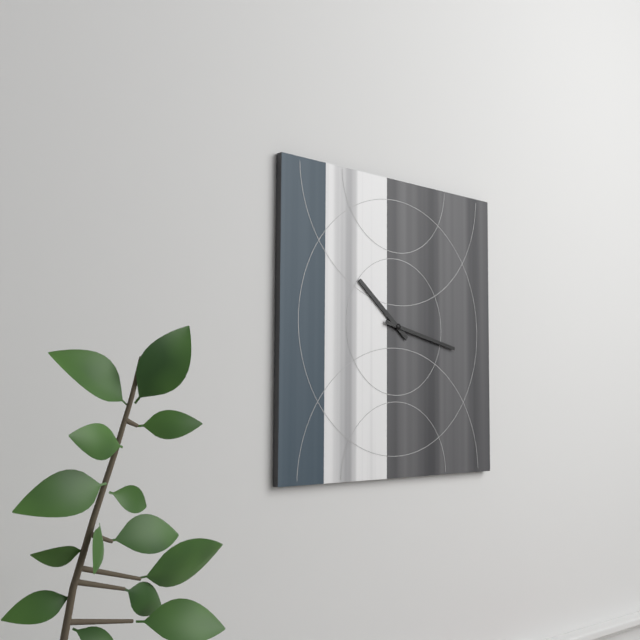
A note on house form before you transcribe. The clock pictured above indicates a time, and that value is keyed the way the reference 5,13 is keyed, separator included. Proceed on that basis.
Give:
10,17
